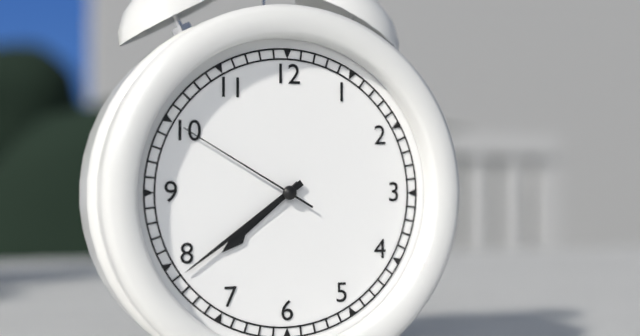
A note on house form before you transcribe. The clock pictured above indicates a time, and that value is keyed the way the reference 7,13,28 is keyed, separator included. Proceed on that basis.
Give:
7,39,50
